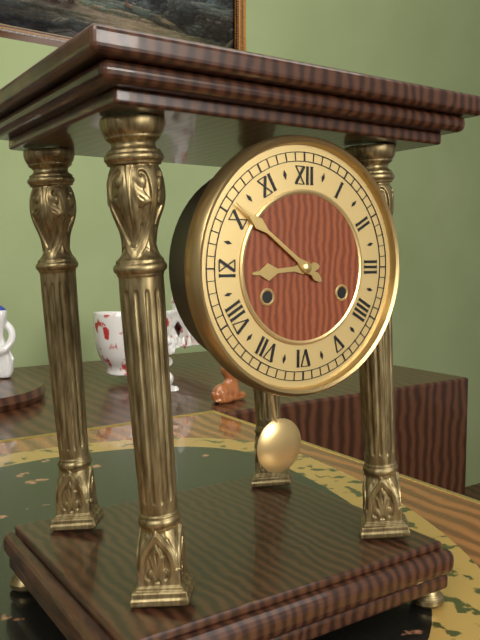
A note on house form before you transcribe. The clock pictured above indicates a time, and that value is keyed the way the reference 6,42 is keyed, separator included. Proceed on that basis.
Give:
8,51
